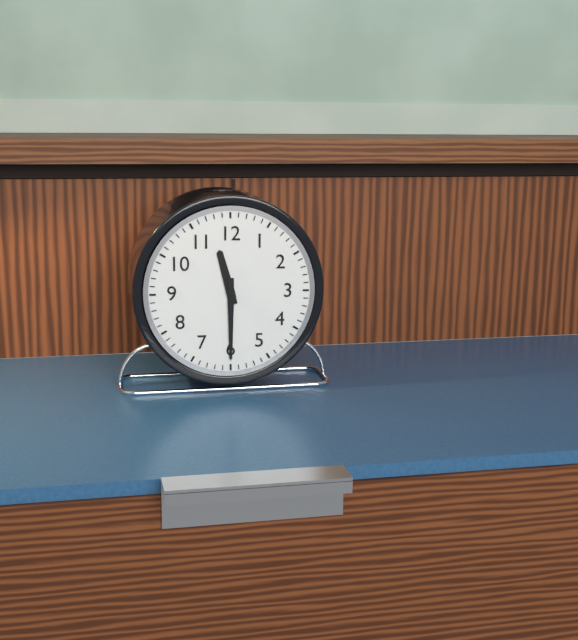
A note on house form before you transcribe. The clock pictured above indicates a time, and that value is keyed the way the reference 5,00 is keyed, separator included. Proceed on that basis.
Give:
11,30
